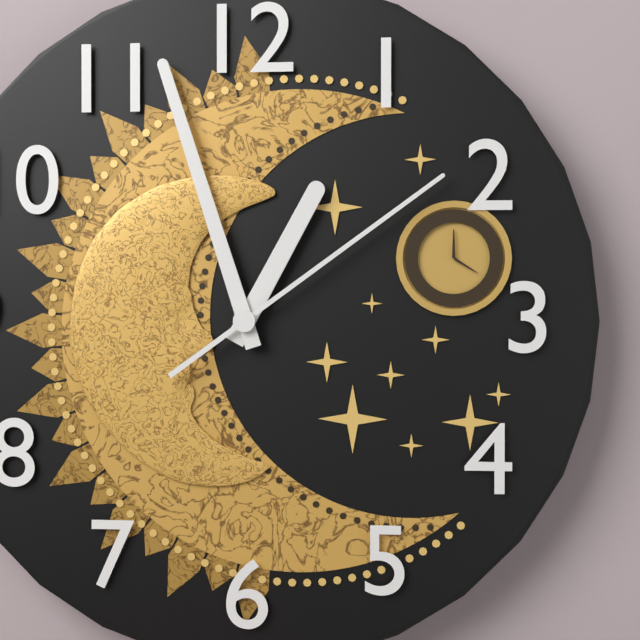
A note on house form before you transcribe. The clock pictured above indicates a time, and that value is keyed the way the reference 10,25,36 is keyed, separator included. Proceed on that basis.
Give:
12,57,09
